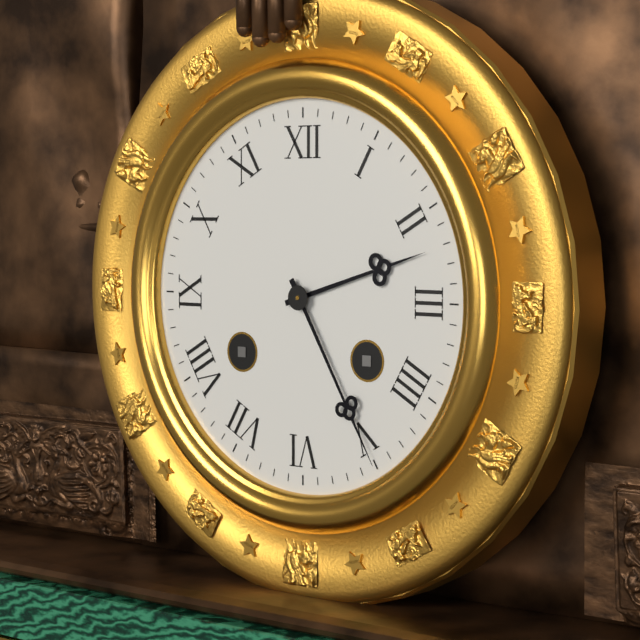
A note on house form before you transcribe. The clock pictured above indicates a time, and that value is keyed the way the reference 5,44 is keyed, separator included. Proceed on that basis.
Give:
2,25
